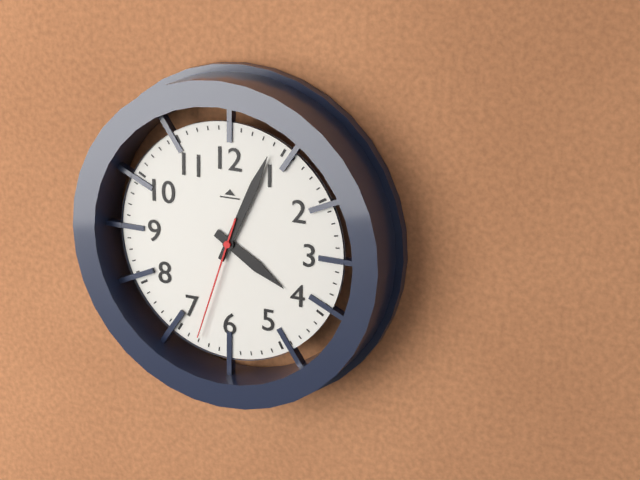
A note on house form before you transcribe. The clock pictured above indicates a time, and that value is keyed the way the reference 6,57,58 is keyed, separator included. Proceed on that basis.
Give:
4,04,33
